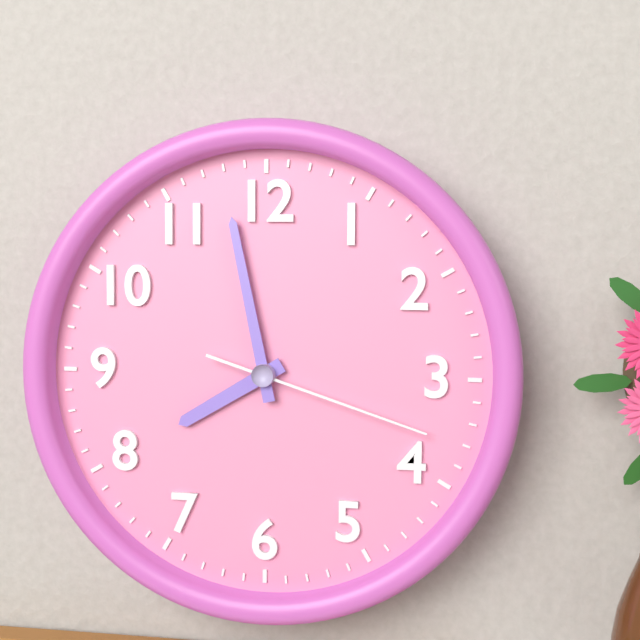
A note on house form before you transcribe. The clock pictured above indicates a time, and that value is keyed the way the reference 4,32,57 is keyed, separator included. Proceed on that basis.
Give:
7,58,18
